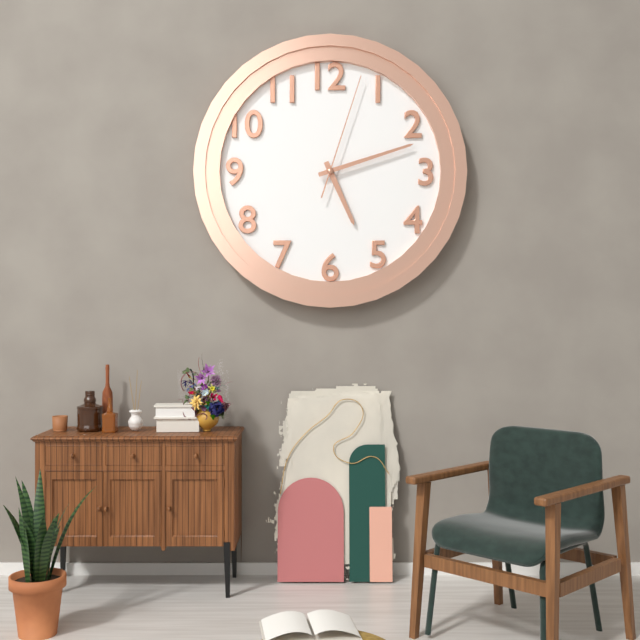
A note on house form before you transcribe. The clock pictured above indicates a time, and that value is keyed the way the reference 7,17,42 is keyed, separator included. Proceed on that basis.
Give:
5,12,03
